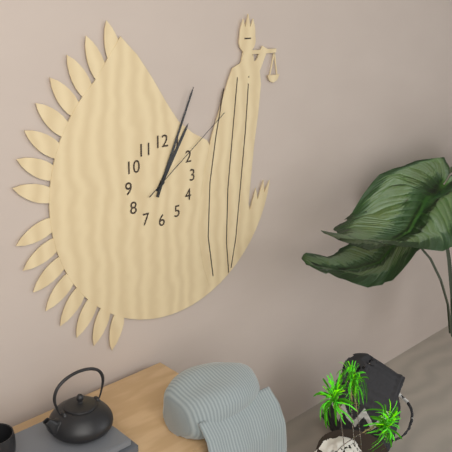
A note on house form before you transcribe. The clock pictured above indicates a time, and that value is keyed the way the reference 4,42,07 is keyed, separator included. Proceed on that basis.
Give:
1,04,09
